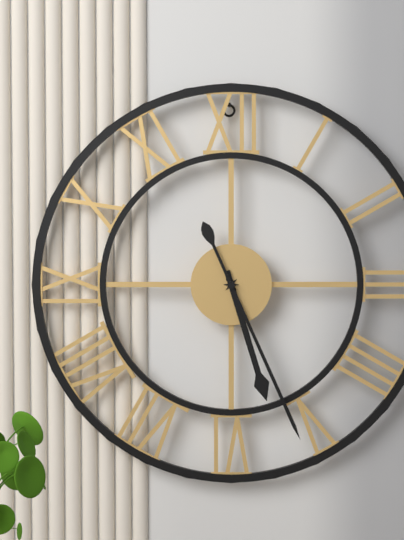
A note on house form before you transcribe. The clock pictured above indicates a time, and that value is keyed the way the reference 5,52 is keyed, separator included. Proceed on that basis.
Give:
5,26
